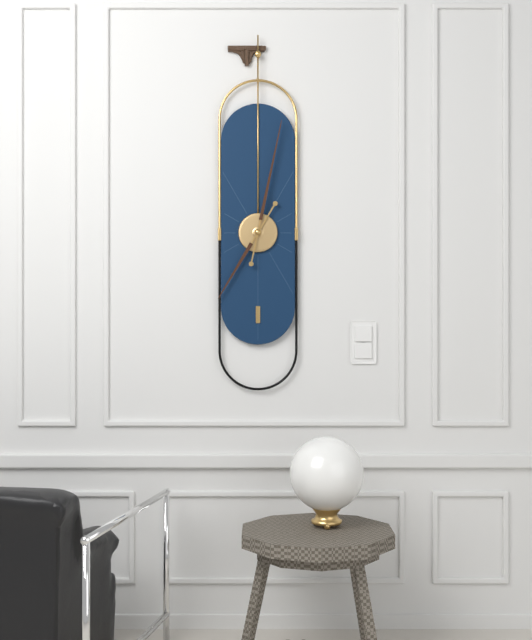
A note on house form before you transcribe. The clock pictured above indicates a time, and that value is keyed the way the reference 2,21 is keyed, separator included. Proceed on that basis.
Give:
7,02
